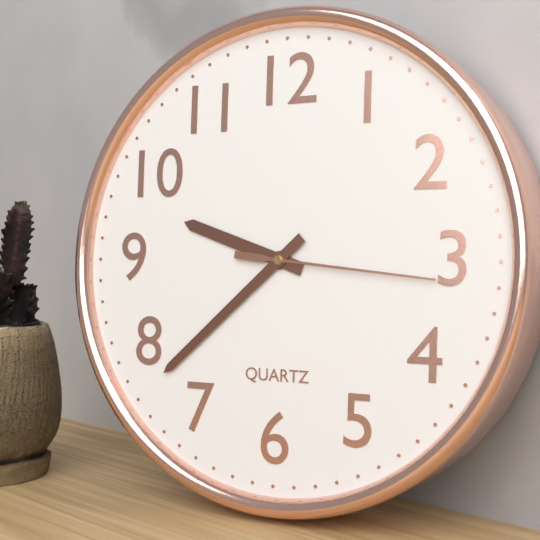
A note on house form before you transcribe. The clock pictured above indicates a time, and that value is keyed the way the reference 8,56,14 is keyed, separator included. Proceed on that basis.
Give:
9,38,16
